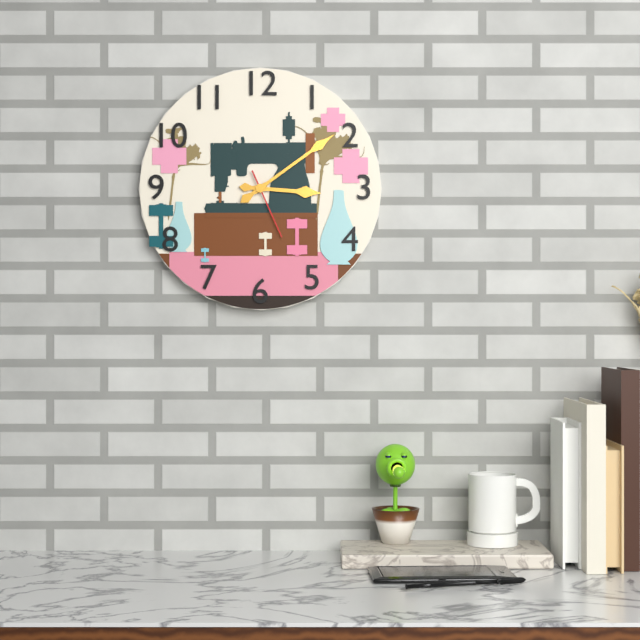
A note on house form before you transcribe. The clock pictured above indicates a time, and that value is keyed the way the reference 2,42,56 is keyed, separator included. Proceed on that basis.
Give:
3,09,26
